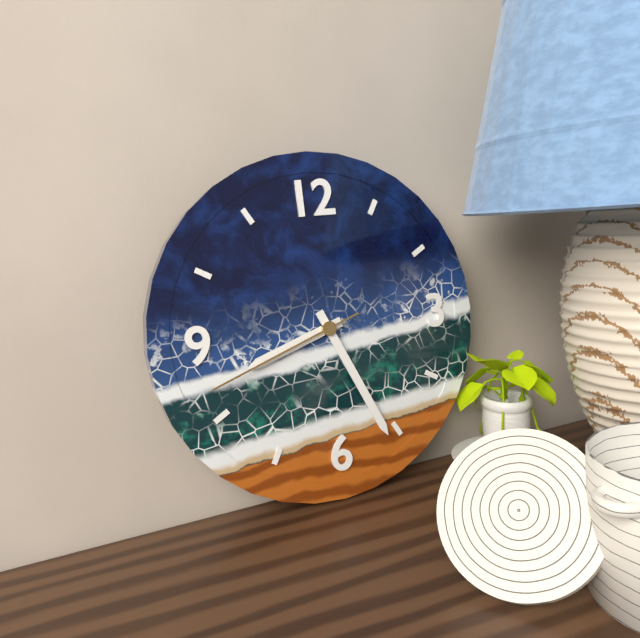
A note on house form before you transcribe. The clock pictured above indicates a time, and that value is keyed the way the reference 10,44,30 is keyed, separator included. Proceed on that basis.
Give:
8,26,42
